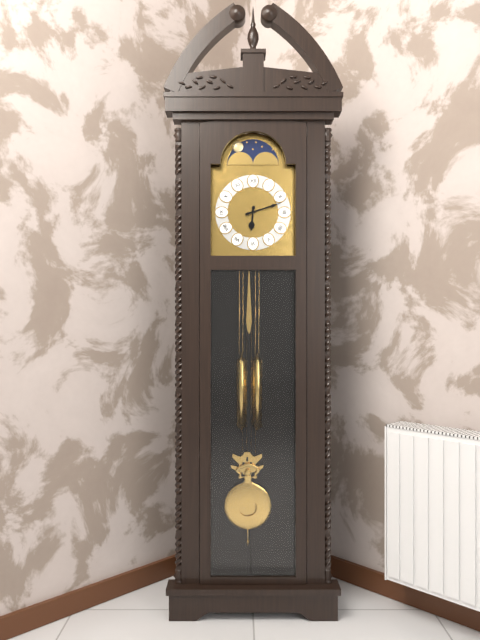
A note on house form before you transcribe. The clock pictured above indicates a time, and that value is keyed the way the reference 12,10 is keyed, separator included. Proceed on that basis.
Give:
6,12
